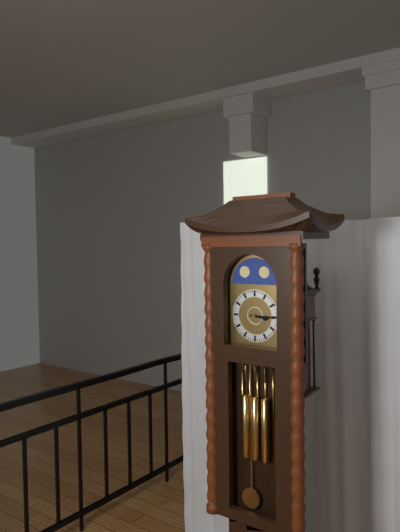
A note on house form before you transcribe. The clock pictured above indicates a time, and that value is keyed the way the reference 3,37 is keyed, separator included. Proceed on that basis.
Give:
3,15
